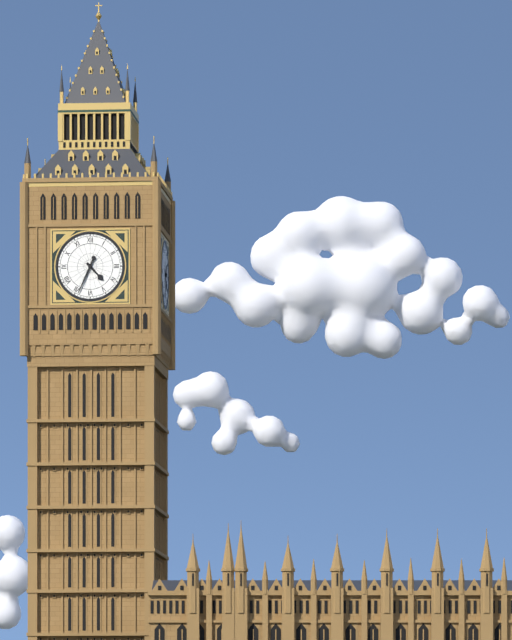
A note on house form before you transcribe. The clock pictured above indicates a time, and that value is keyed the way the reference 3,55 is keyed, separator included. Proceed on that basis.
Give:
4,34
